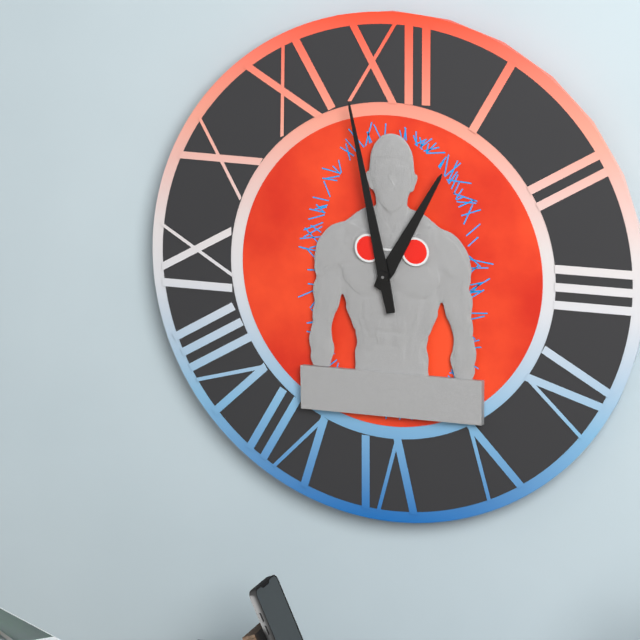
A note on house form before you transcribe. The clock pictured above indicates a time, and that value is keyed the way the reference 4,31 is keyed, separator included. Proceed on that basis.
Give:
12,58
